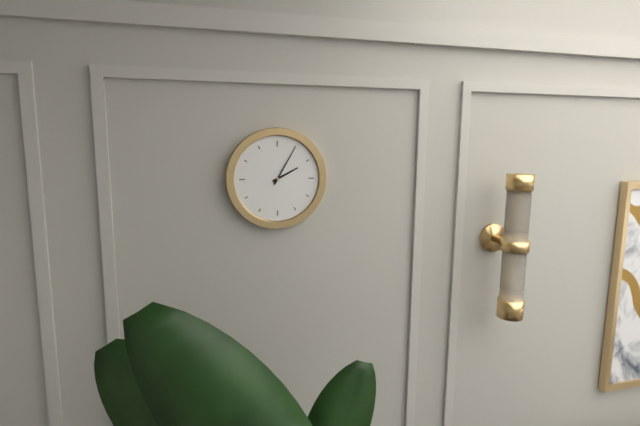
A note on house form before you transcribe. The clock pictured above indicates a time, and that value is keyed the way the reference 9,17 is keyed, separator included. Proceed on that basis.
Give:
2,05
